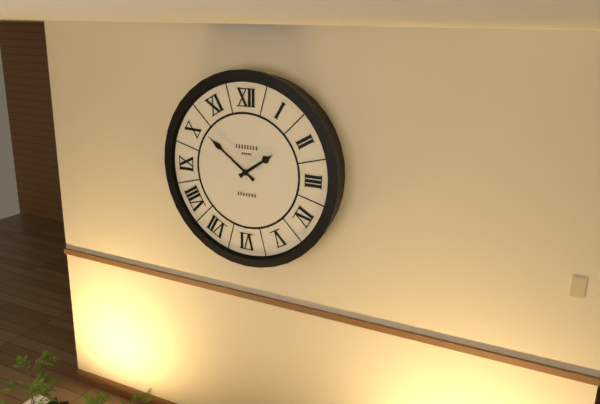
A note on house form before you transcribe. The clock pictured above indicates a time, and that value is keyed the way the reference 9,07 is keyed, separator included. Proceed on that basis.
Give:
1,51
